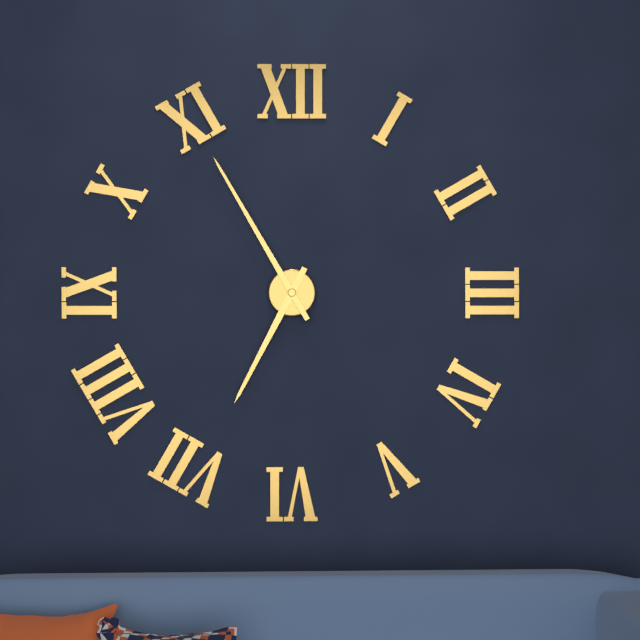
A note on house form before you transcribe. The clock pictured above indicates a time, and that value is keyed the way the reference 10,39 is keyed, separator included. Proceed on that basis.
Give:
6,55
